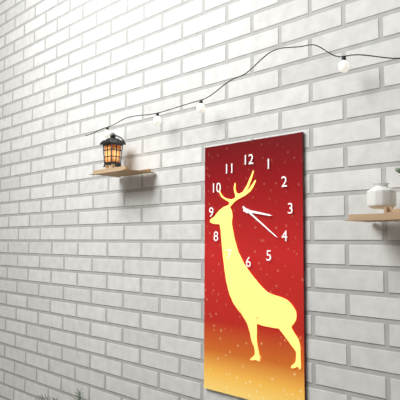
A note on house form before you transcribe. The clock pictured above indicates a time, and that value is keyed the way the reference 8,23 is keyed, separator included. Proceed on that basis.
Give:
3,21
